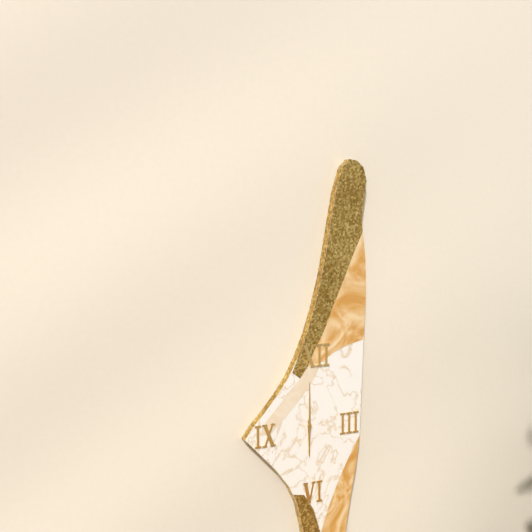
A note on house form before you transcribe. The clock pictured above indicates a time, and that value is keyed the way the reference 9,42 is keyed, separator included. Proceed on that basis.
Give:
6,00
